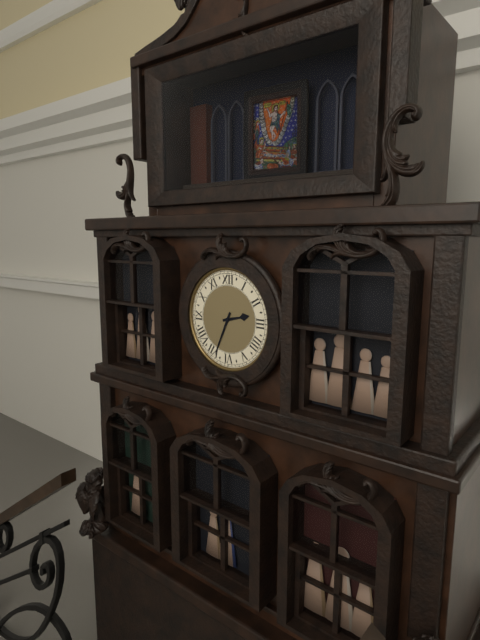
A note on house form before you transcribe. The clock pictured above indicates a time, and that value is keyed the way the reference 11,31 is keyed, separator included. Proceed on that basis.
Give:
2,34
